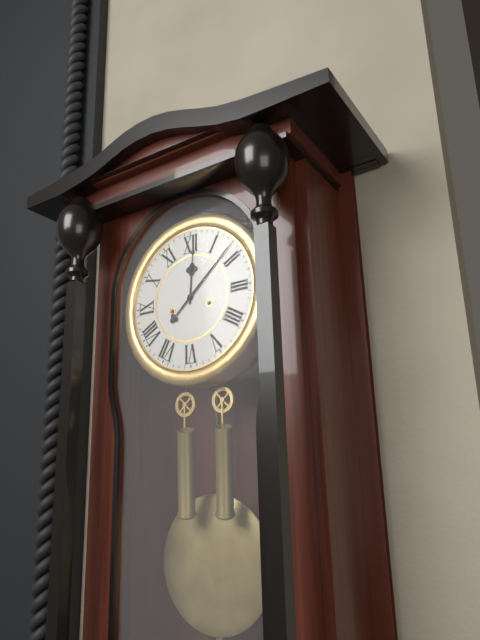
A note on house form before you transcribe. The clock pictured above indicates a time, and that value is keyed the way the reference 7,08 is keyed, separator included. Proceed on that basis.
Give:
12,08
